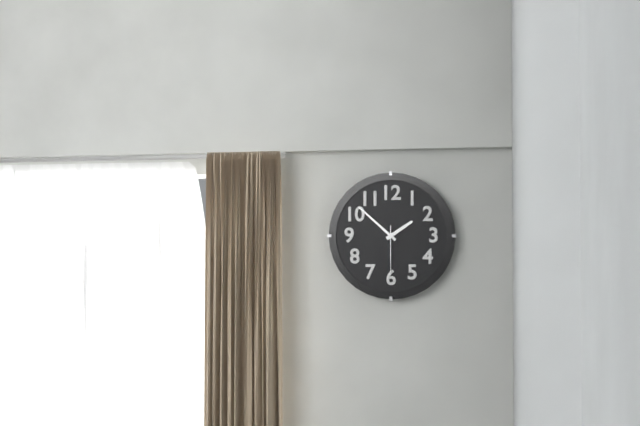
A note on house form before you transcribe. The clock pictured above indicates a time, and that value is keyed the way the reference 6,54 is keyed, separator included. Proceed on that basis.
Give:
1,52
